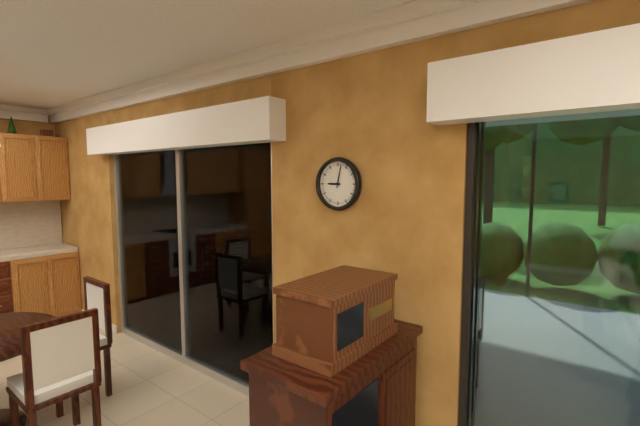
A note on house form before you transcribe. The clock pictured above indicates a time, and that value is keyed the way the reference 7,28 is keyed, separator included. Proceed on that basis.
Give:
9,02
